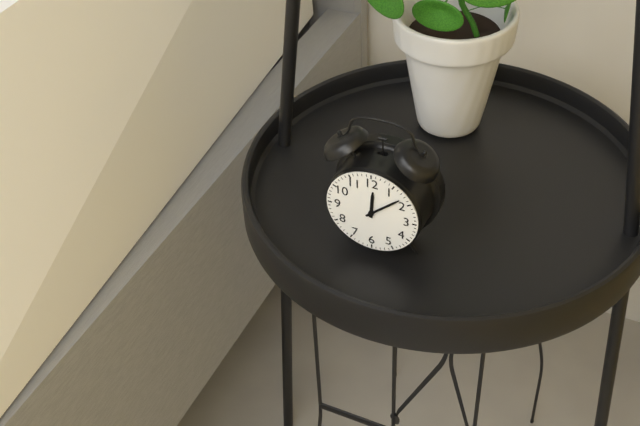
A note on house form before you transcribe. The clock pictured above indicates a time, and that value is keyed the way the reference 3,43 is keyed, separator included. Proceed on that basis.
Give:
12,08
